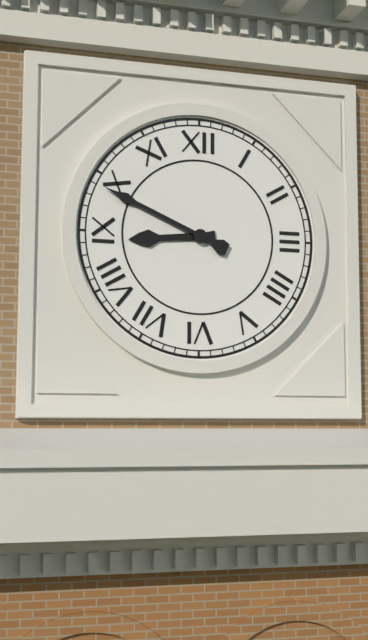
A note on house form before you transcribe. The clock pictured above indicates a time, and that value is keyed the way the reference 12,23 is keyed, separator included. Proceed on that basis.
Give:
8,49
